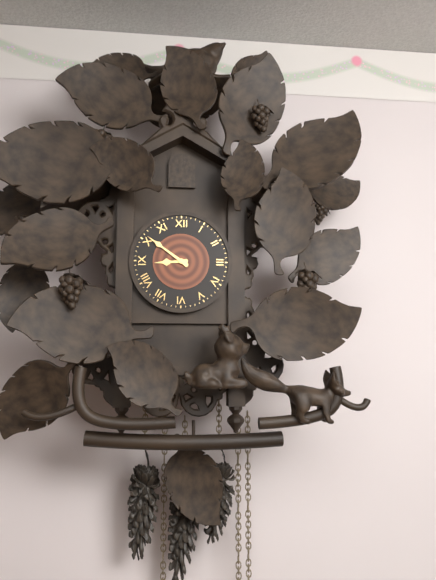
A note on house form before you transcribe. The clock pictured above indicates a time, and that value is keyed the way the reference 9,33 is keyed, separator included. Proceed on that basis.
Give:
8,51
